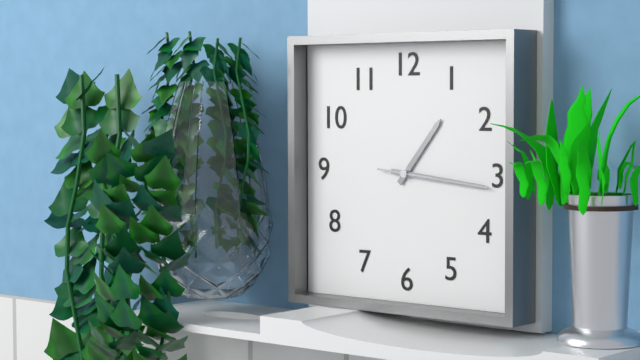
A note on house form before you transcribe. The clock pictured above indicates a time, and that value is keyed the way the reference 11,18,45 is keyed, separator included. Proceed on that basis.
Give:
1,16,16
